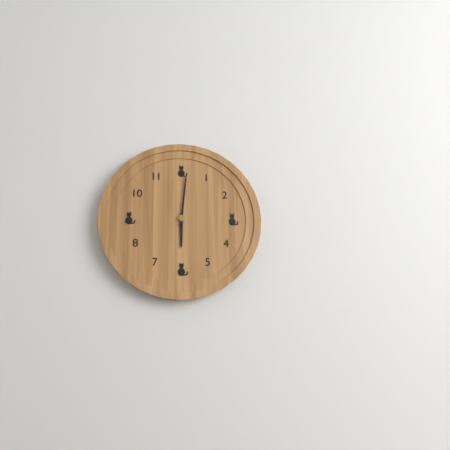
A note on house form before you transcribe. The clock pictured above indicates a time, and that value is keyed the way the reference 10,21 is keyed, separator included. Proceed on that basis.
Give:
6,01
